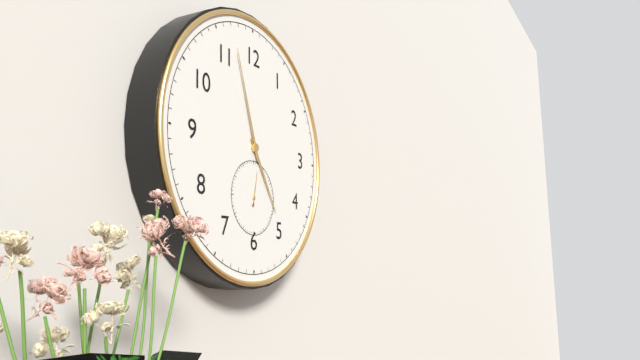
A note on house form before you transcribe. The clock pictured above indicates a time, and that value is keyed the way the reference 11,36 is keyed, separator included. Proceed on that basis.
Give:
4,57
